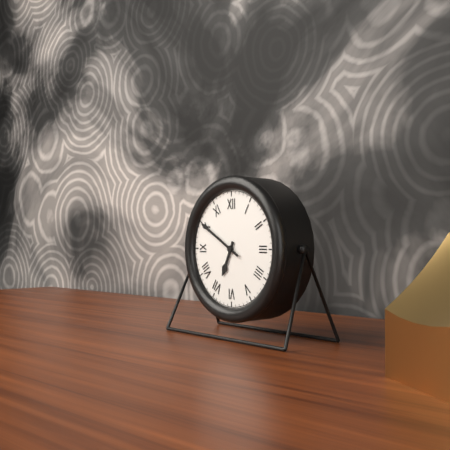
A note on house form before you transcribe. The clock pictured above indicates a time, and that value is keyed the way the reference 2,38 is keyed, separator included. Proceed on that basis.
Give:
6,50
